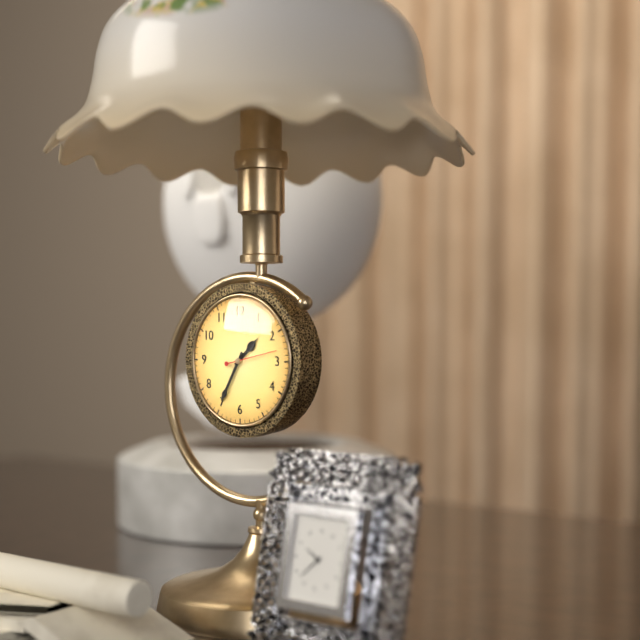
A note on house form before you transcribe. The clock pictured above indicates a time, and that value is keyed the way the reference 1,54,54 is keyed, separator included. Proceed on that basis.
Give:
1,35,13
